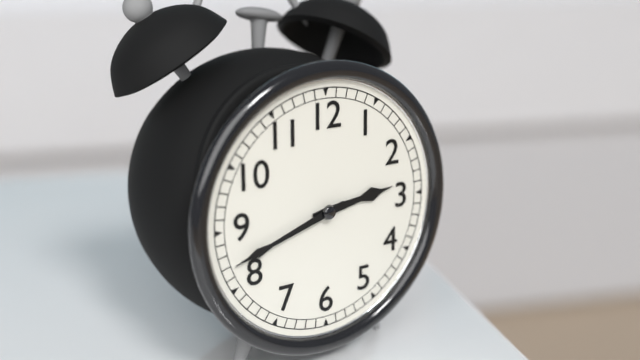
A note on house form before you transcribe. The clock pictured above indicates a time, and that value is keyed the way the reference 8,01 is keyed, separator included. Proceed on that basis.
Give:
2,42
